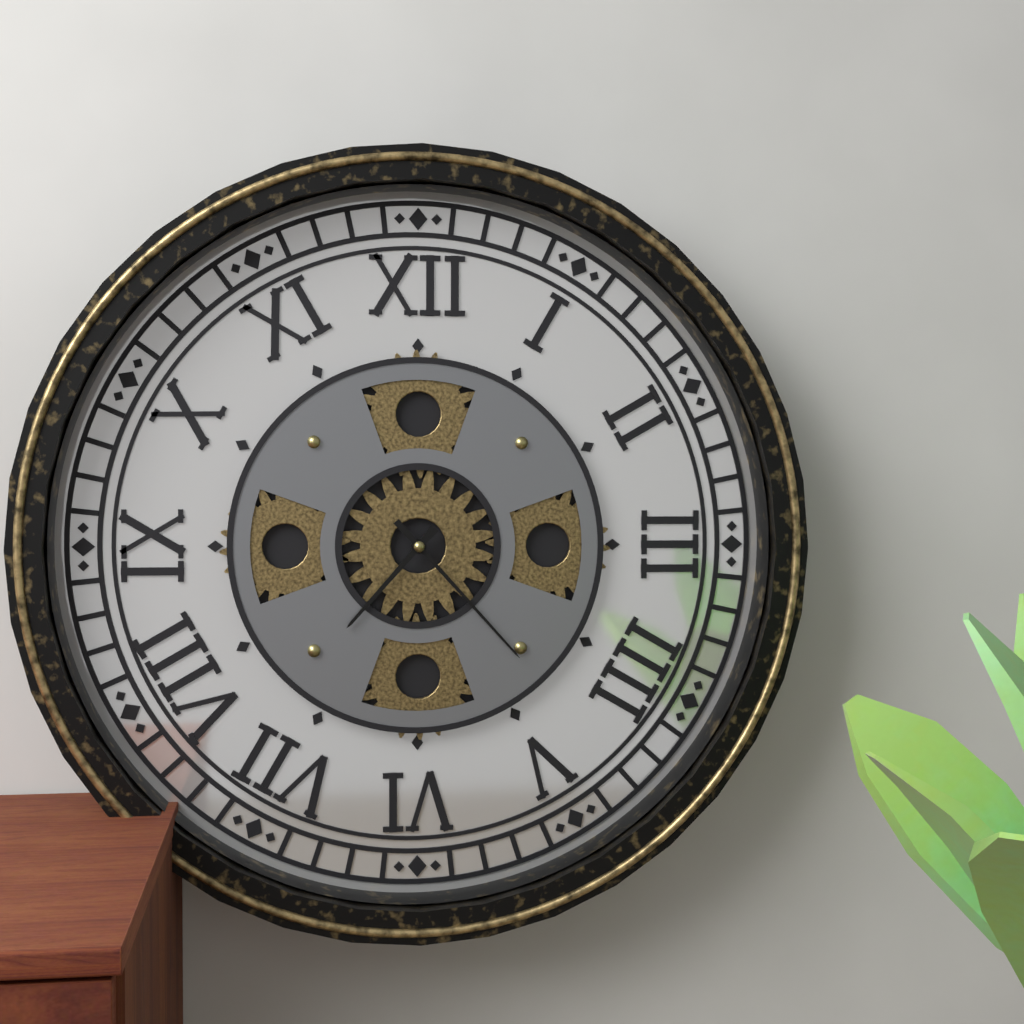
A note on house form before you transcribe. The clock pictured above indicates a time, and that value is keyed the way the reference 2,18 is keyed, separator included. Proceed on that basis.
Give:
7,23
